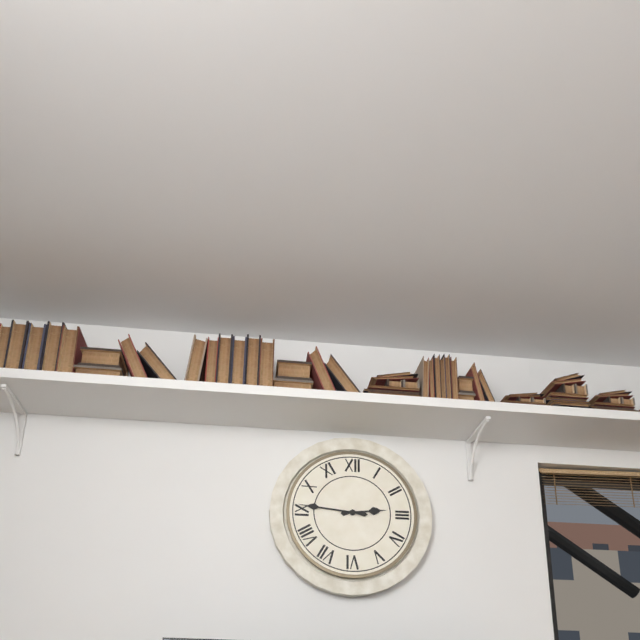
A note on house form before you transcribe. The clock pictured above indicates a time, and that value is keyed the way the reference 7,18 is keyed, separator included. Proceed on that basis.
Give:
2,46
